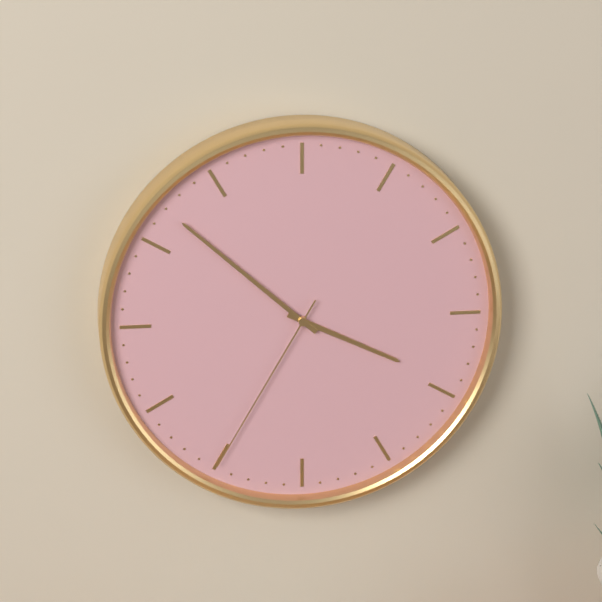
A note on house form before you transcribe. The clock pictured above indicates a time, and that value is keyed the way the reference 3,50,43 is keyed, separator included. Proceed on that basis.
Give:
3,52,35
